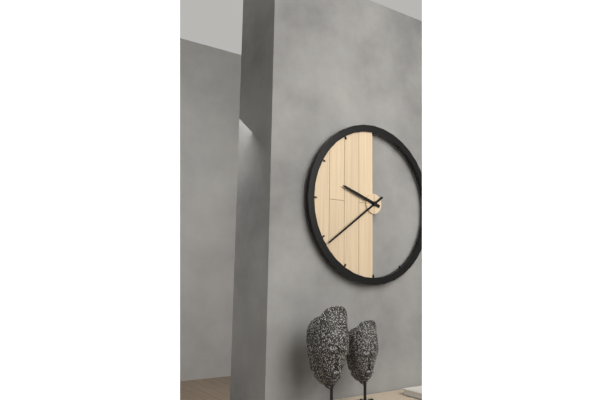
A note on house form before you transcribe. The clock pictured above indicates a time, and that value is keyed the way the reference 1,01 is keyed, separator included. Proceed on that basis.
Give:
9,39
